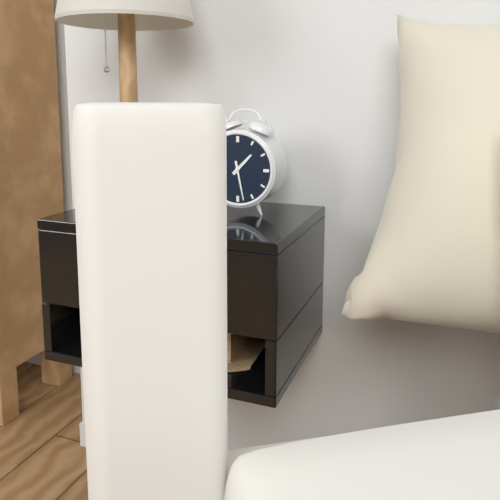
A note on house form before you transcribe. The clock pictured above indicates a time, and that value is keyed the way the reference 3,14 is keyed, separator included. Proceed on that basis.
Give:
1,28
